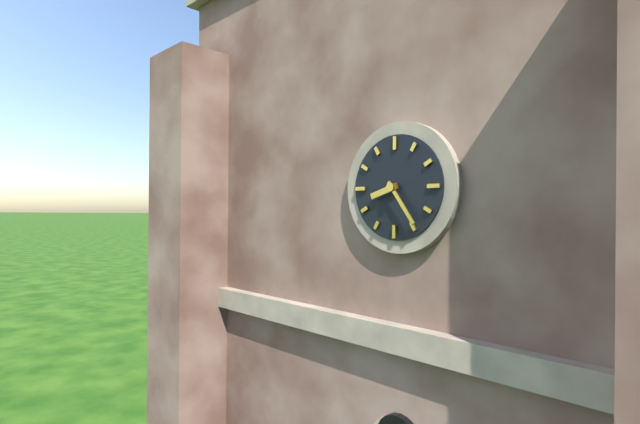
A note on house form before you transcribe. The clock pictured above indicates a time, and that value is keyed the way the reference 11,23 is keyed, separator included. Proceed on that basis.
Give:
8,24
